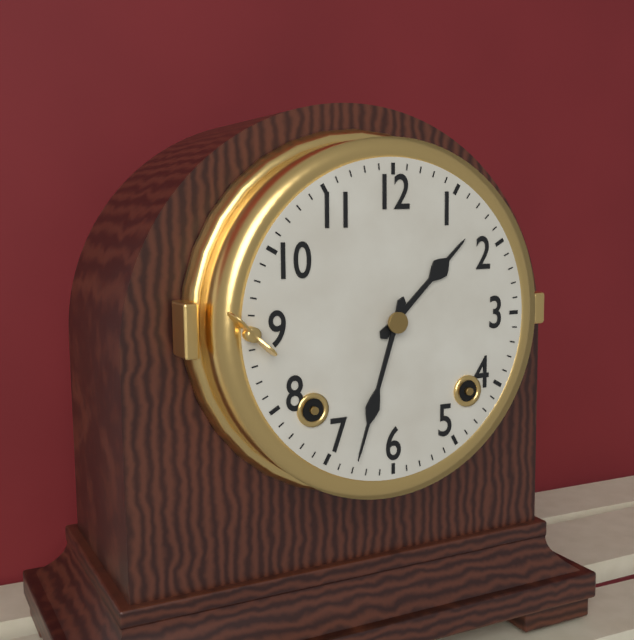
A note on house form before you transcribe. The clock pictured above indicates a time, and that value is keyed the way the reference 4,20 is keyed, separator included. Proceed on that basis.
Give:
1,33
